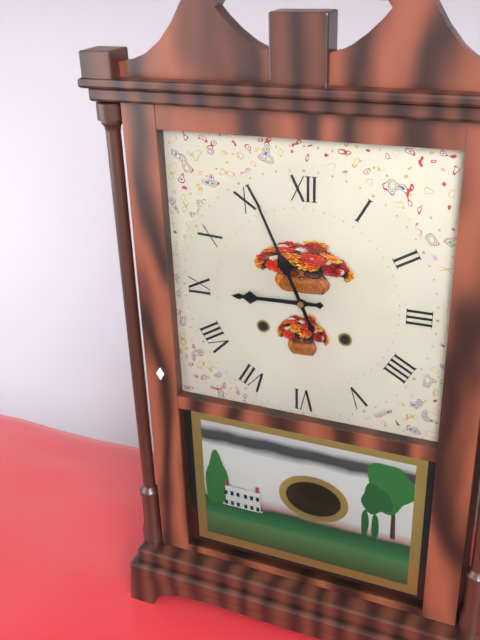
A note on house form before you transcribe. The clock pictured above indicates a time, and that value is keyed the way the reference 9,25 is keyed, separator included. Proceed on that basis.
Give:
8,56
